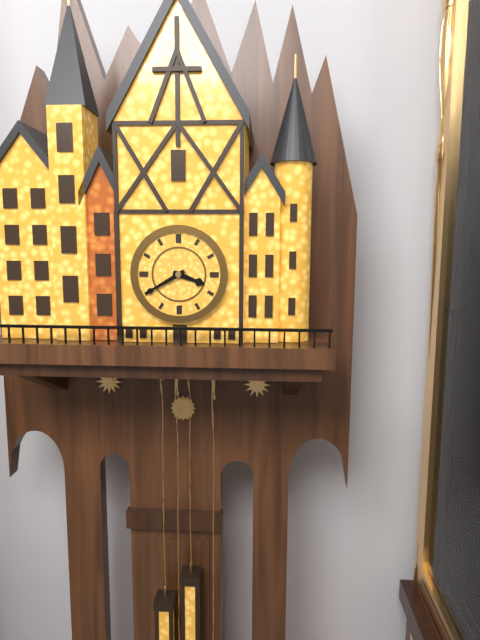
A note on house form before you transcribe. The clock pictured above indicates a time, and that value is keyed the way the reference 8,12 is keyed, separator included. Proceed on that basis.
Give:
3,40
